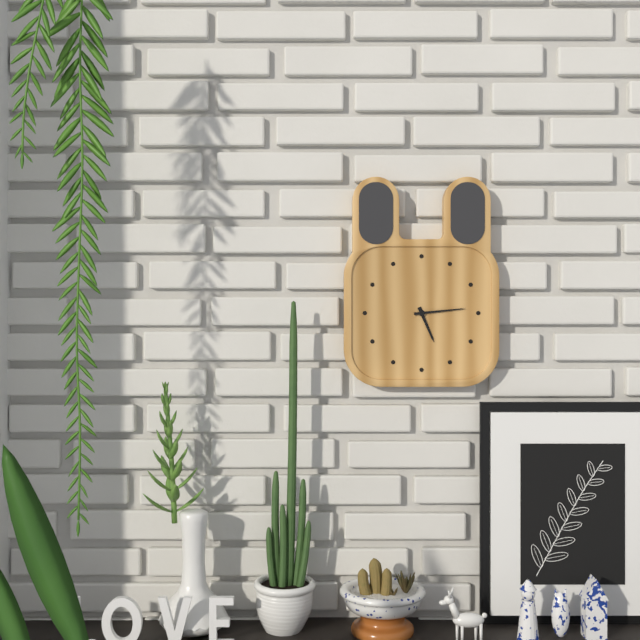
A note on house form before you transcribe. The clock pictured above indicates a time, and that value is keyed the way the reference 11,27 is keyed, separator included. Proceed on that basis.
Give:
5,14
